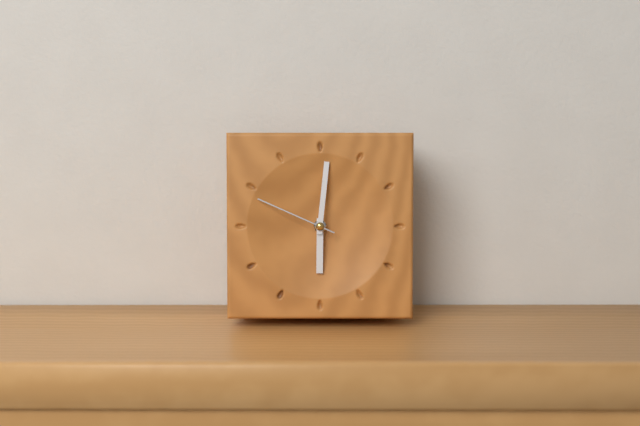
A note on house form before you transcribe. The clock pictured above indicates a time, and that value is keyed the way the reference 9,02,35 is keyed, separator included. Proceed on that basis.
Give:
6,01,49
